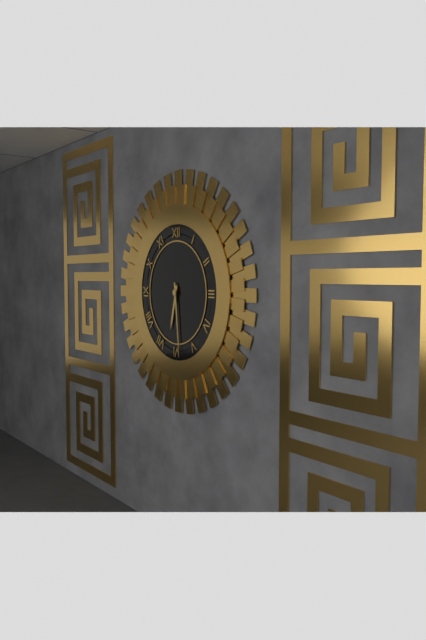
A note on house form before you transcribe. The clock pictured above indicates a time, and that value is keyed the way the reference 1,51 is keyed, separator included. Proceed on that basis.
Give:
6,29
